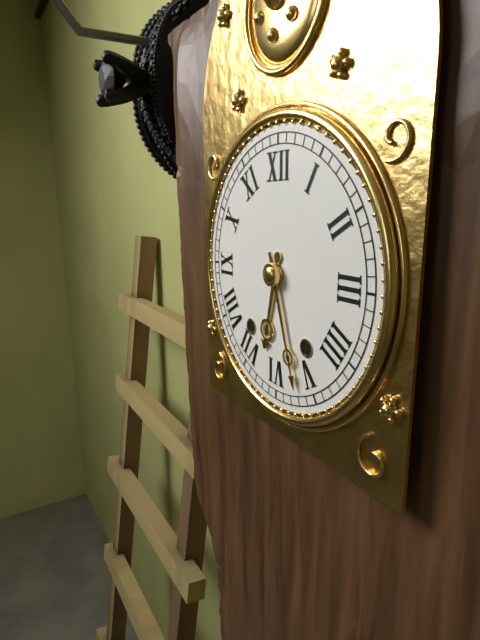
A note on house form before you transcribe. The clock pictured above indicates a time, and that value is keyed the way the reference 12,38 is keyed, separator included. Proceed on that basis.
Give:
6,27
